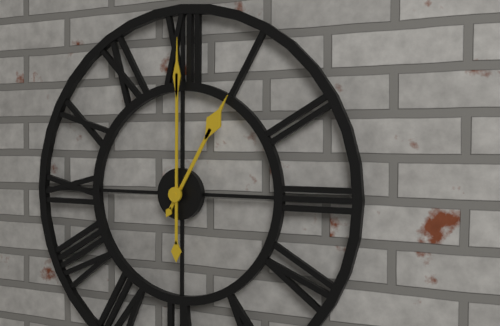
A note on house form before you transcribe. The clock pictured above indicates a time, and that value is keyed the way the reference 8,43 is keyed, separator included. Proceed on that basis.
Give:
1,00
